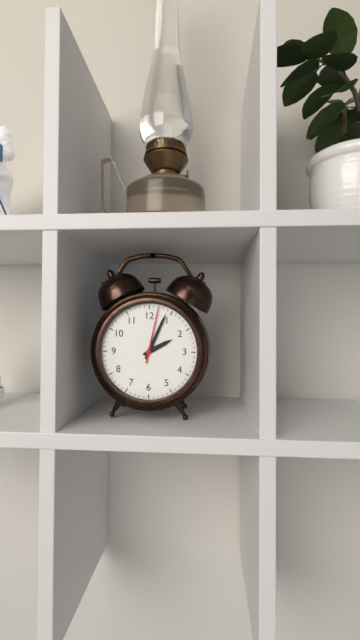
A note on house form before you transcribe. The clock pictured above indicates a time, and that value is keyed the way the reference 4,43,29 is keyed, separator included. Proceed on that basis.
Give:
2,04,02
